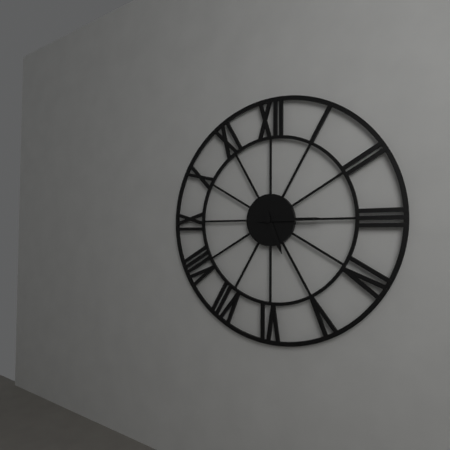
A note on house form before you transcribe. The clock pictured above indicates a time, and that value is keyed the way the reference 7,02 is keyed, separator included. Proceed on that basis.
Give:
5,15
